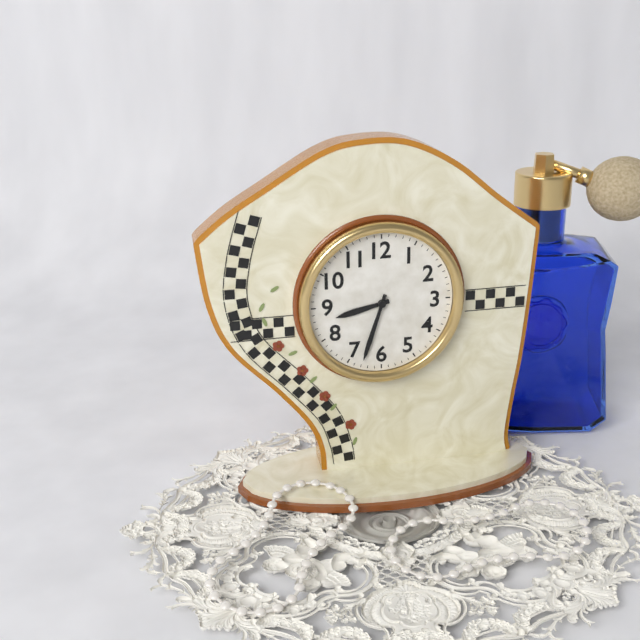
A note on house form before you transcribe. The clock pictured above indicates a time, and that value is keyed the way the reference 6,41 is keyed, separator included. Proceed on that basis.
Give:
8,33
